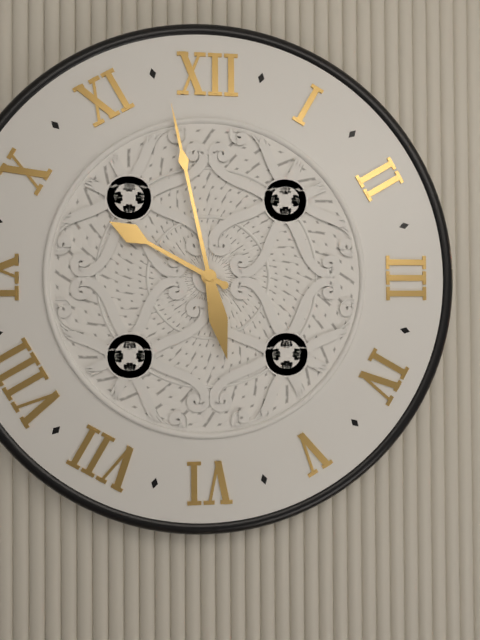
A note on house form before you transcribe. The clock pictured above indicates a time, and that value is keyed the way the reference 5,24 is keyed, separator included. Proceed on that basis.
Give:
9,58
